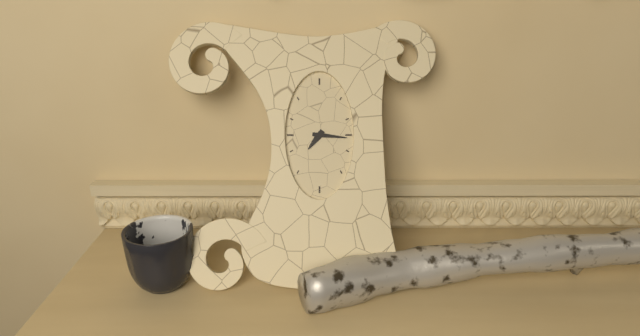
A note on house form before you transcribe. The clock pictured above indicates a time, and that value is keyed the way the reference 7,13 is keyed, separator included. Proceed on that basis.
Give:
7,16
